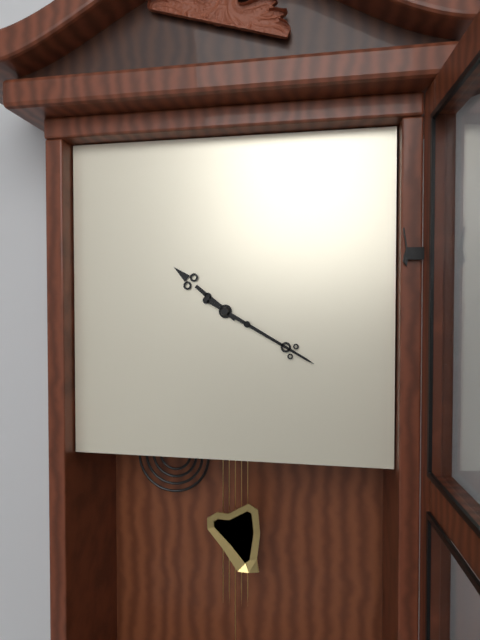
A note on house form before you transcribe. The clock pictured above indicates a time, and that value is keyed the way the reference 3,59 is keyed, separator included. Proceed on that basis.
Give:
10,20
